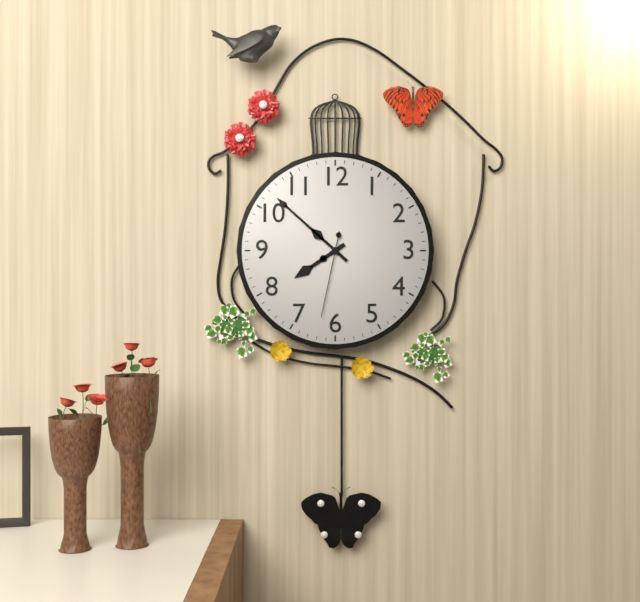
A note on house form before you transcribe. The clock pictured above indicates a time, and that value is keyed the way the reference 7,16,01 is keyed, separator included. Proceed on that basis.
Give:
7,52,32
